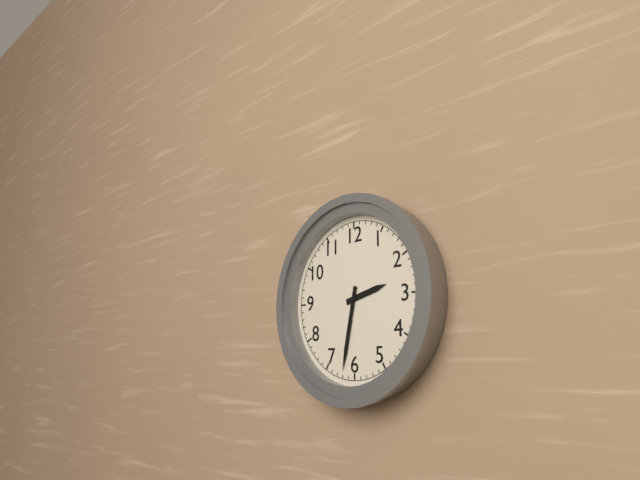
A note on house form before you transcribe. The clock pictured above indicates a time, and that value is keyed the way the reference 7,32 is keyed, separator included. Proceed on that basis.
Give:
2,32
